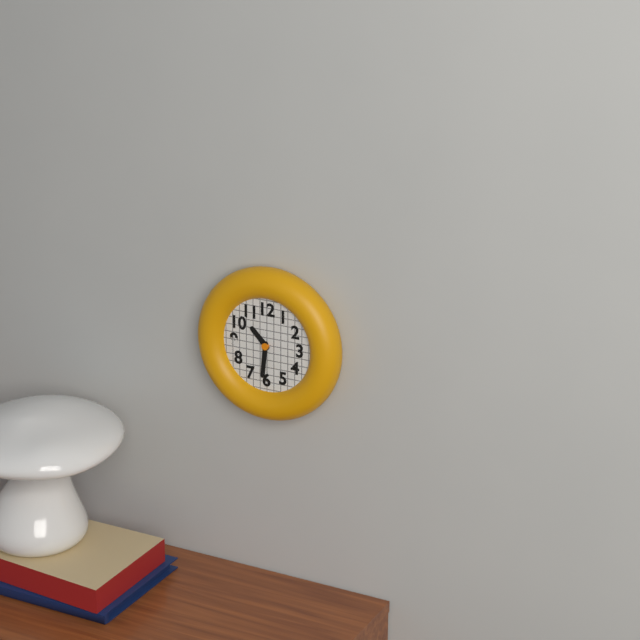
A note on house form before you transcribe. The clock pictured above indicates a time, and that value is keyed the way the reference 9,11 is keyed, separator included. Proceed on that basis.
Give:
10,31
